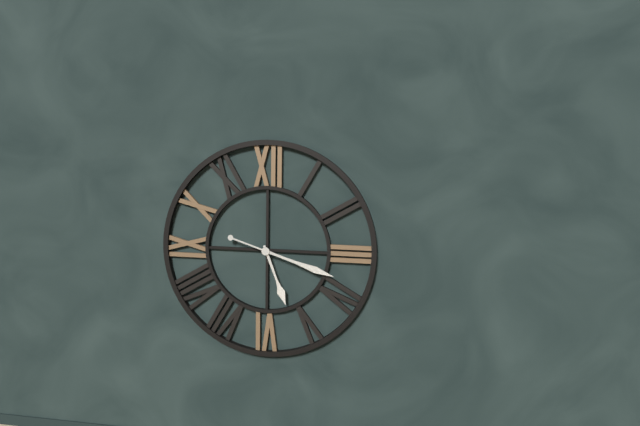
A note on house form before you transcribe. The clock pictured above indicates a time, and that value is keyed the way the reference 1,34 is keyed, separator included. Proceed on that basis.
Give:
5,18
